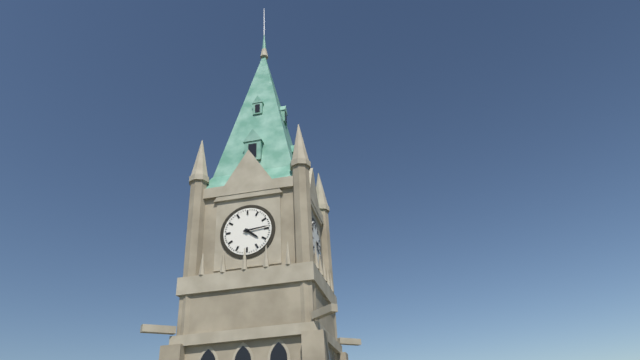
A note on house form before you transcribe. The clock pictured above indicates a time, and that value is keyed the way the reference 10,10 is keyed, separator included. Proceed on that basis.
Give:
4,14
